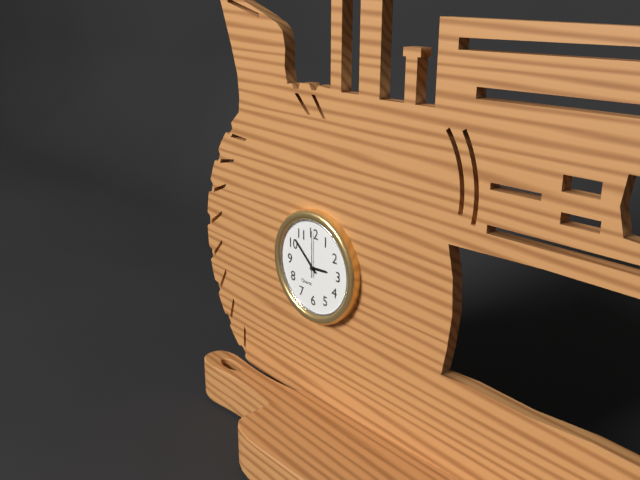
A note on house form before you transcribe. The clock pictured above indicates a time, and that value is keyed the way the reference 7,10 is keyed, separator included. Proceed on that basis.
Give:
2,52
